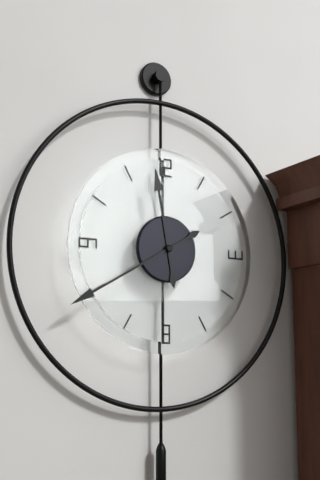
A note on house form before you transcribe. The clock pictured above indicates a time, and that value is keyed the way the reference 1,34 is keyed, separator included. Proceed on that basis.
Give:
11,40
